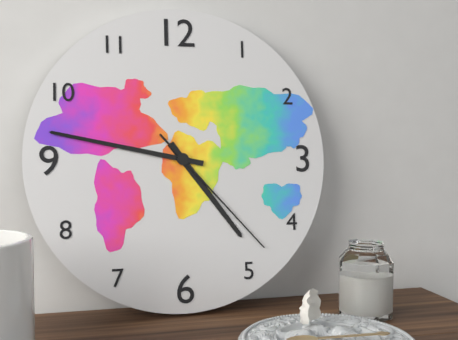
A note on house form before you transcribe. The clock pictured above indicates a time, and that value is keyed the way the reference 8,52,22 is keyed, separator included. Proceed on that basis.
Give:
4,47,23
